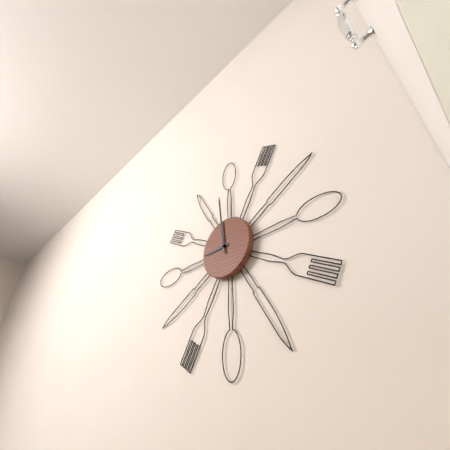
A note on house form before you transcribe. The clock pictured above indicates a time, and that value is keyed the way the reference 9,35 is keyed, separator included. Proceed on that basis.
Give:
8,59
